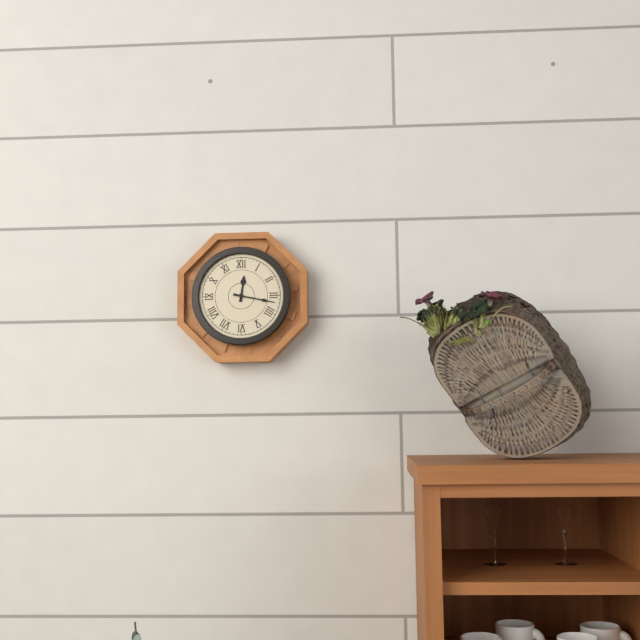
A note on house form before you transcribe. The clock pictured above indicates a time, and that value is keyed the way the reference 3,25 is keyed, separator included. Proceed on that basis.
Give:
12,17
